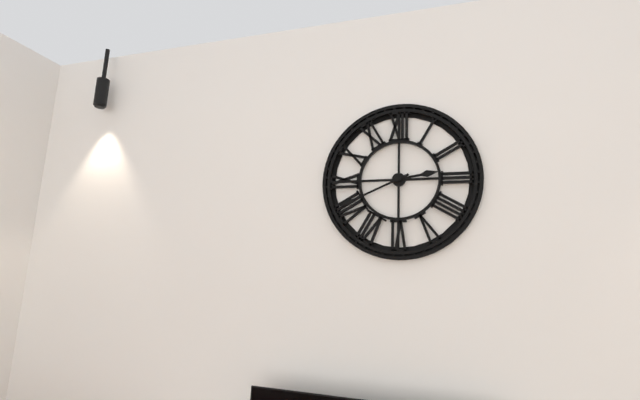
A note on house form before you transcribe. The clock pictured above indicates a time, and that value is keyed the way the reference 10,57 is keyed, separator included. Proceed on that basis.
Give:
2,41
